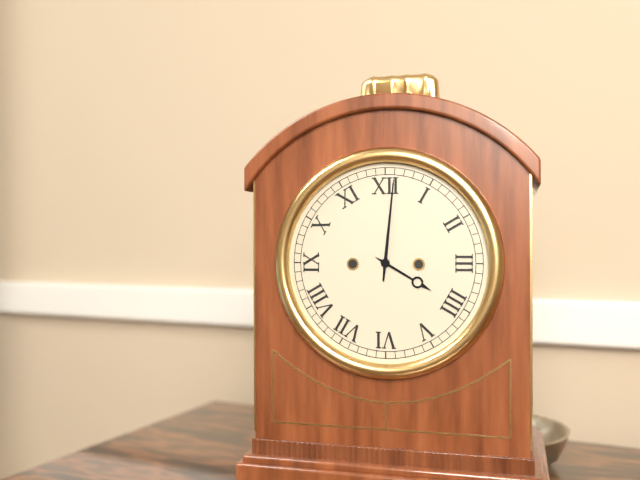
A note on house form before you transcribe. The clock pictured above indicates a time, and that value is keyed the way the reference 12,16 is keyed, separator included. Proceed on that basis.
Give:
4,01
